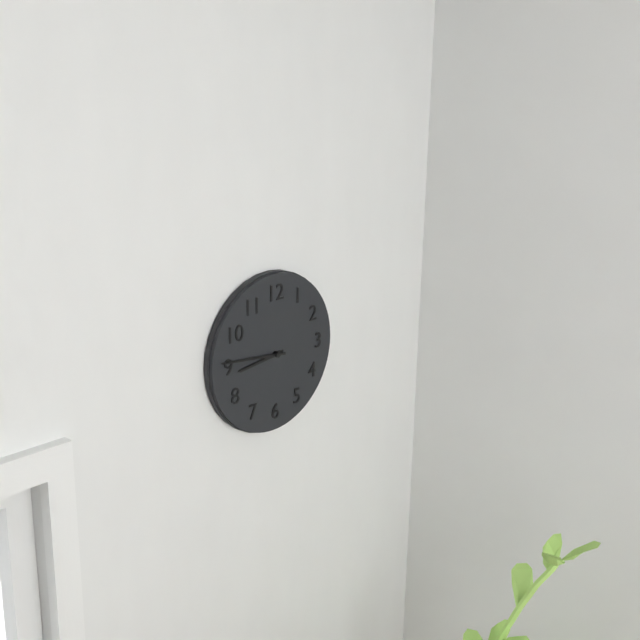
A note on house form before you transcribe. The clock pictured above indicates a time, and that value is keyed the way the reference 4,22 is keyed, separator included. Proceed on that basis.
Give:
8,46
